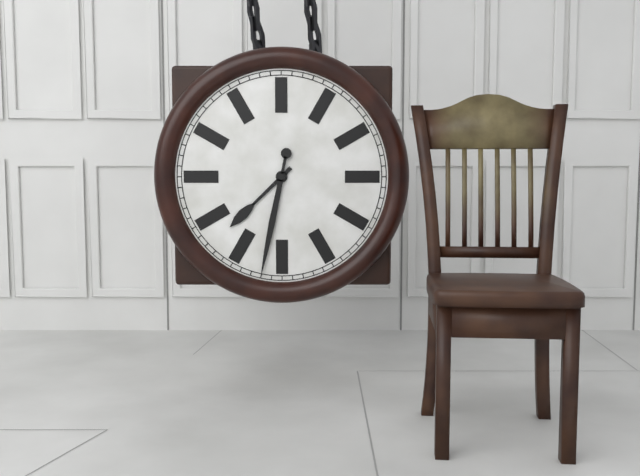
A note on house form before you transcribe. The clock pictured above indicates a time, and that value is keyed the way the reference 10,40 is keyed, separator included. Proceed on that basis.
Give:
7,32
